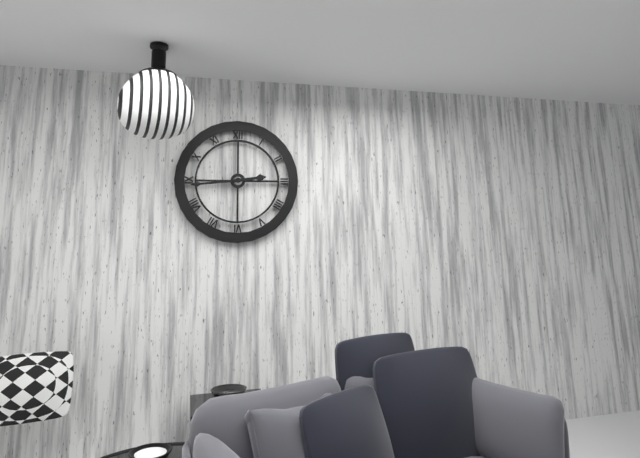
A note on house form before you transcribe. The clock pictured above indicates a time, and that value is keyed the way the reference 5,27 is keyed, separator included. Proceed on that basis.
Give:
2,44
